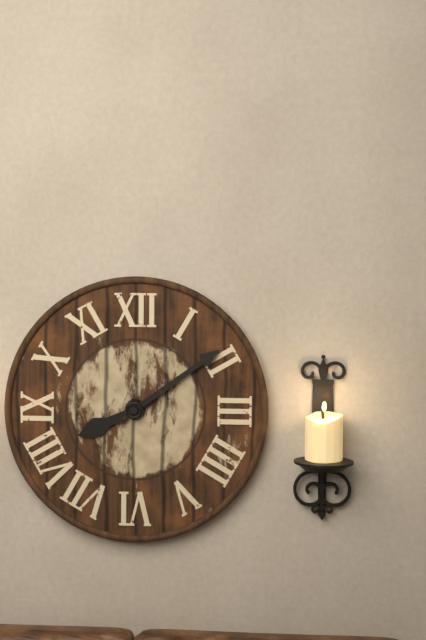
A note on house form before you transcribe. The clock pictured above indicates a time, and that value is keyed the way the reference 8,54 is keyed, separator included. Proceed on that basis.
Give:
8,09
